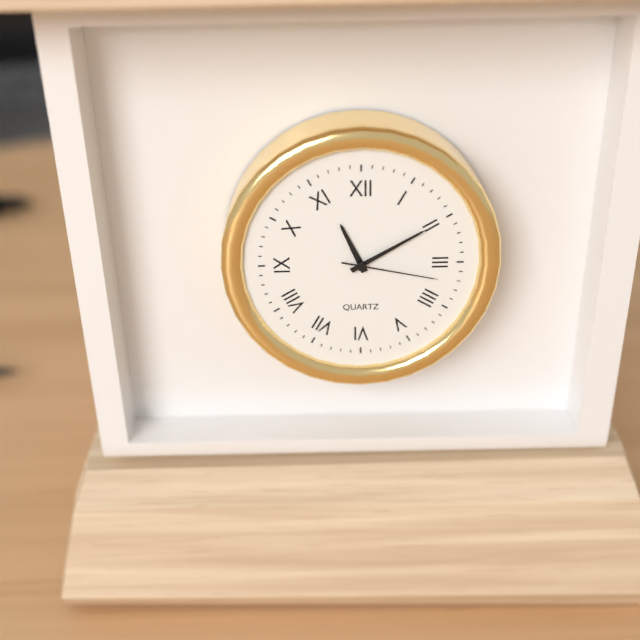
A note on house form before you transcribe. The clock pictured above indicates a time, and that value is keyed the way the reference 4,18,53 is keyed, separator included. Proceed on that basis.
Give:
11,10,17
